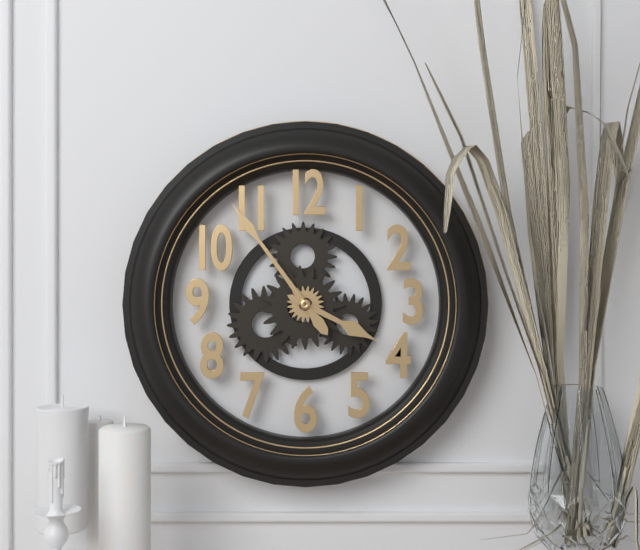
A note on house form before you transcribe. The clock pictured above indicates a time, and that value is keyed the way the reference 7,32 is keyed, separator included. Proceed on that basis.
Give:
3,54
